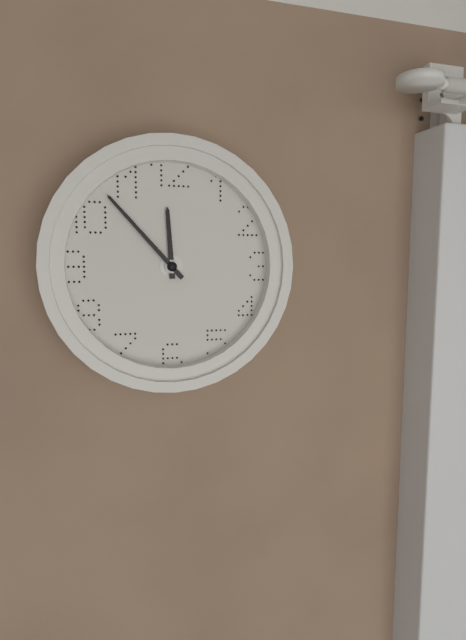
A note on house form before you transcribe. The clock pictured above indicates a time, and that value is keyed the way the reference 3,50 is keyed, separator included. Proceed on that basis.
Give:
11,53
